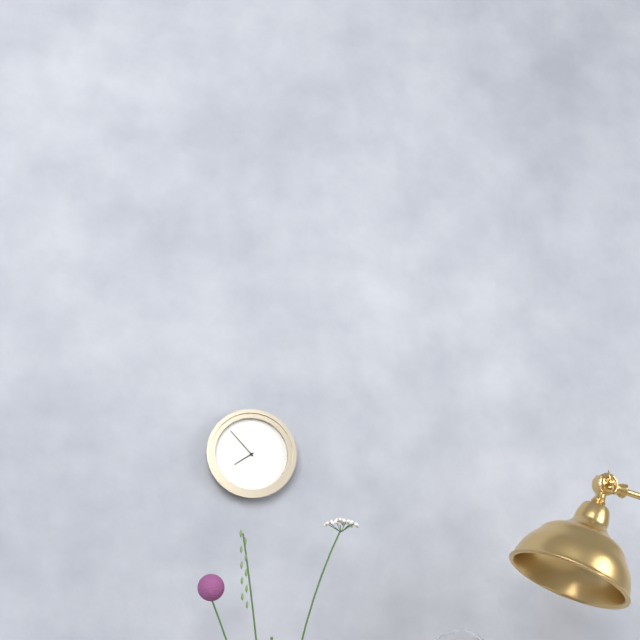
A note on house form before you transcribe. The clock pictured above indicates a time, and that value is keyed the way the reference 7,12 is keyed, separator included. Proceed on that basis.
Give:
7,53
